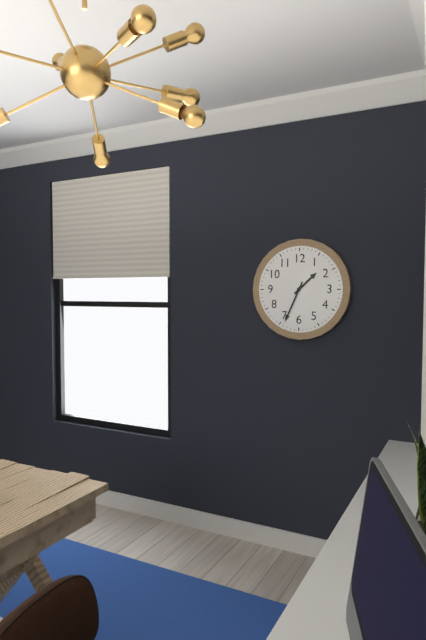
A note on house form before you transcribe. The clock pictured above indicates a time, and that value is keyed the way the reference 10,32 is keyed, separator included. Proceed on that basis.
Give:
1,34
